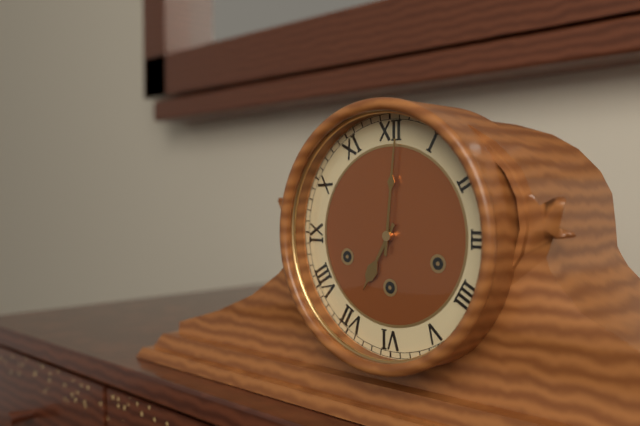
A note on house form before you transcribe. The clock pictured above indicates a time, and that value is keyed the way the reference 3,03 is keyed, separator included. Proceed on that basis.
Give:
7,01
